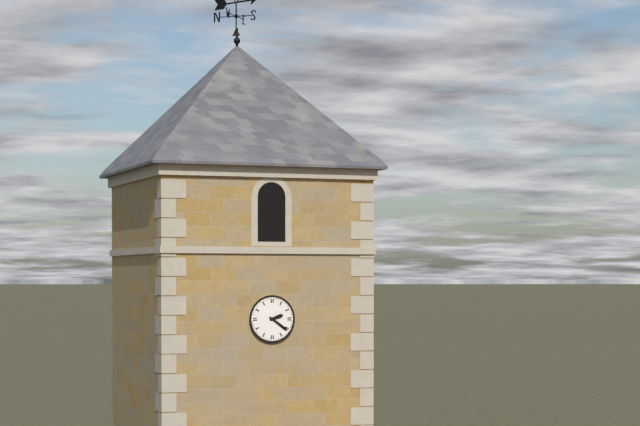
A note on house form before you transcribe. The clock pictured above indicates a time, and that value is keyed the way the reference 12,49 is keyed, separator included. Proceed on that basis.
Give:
2,21
